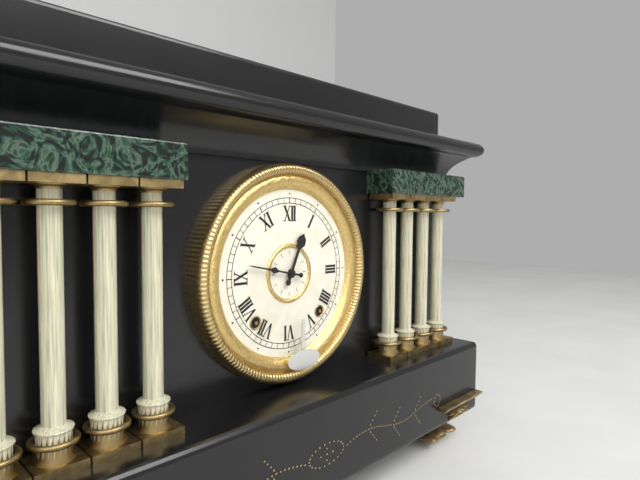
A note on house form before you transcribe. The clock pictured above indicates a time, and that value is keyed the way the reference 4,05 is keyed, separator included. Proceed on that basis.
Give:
12,47
